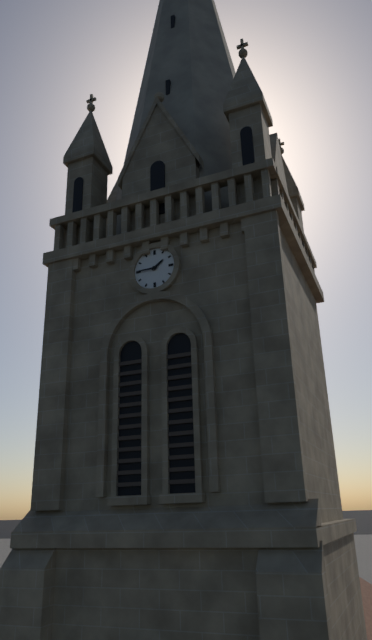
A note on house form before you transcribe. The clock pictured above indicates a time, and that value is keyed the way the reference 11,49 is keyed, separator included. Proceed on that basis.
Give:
1,45
